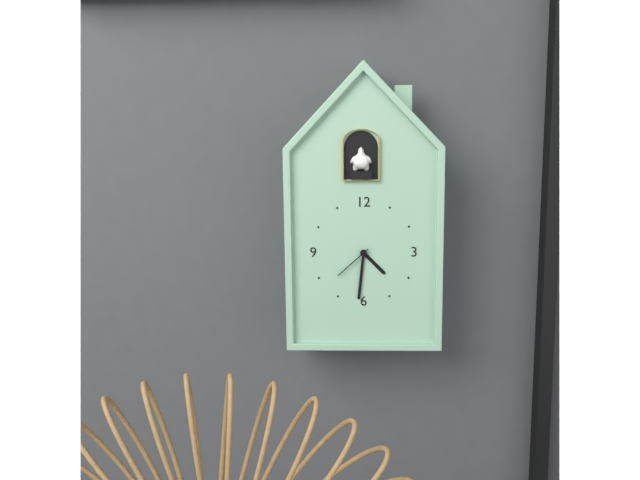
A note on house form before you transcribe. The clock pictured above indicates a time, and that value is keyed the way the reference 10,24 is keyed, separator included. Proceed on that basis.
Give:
4,31
